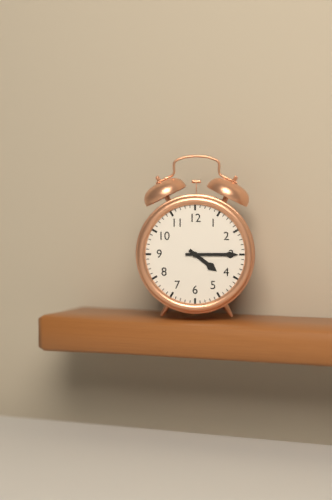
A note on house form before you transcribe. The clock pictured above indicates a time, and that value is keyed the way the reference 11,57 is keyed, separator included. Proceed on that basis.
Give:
4,15
